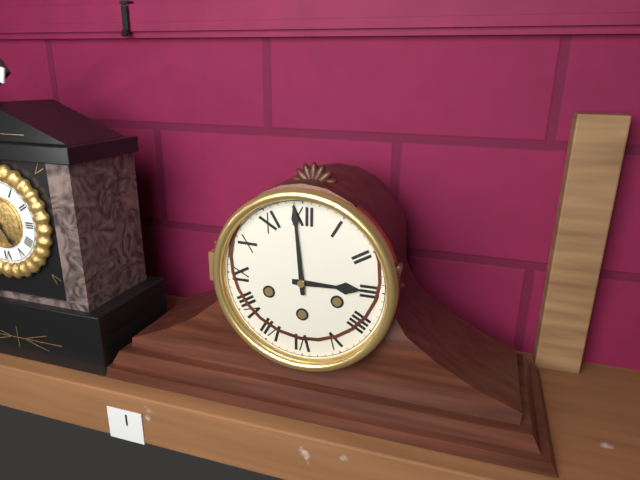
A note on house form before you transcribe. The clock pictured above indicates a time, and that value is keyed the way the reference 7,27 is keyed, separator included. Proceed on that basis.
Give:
2,59
